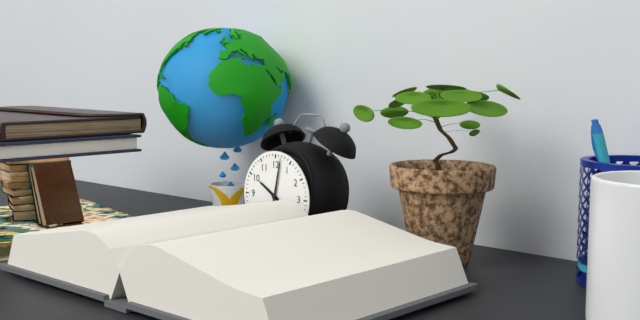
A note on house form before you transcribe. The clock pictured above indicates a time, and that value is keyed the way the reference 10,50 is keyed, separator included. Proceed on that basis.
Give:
10,02
